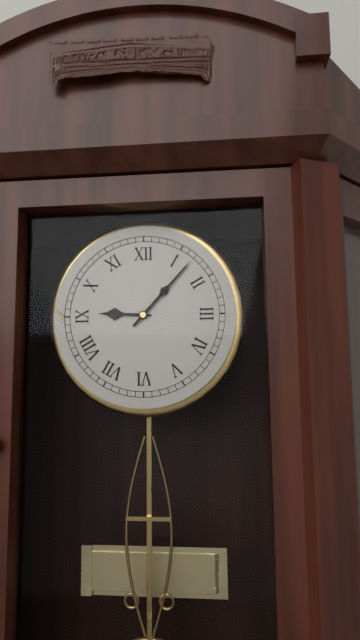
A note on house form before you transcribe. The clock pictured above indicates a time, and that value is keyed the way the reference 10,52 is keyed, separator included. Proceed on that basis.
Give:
9,07
